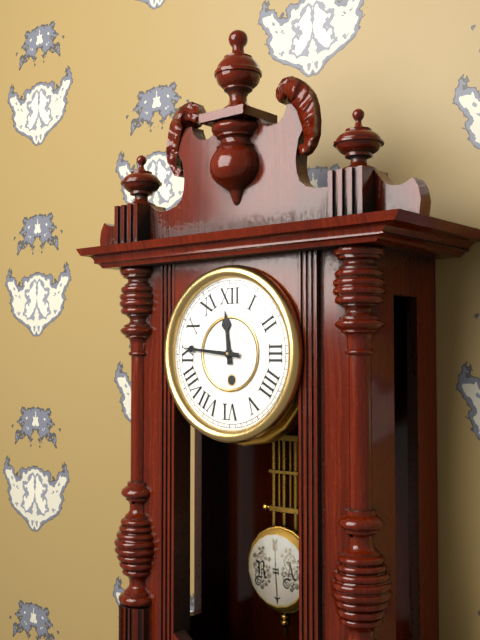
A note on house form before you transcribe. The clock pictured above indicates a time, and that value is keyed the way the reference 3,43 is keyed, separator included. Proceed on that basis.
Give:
11,46
